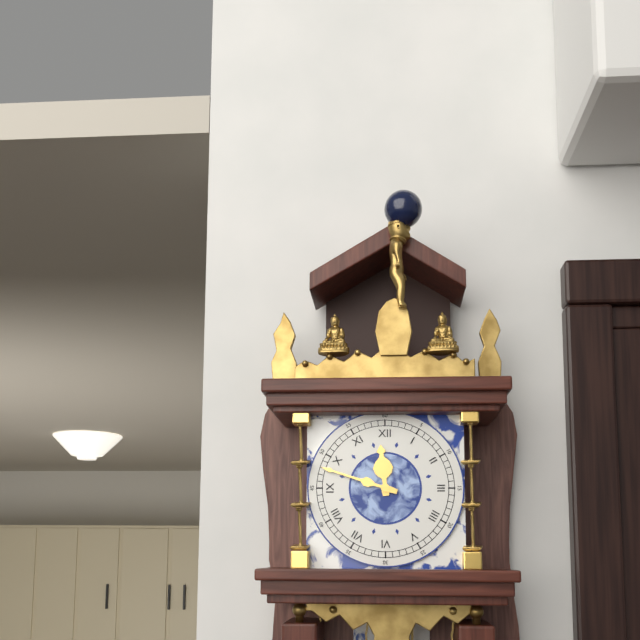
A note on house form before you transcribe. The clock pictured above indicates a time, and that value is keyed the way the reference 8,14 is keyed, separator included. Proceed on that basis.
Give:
11,48
